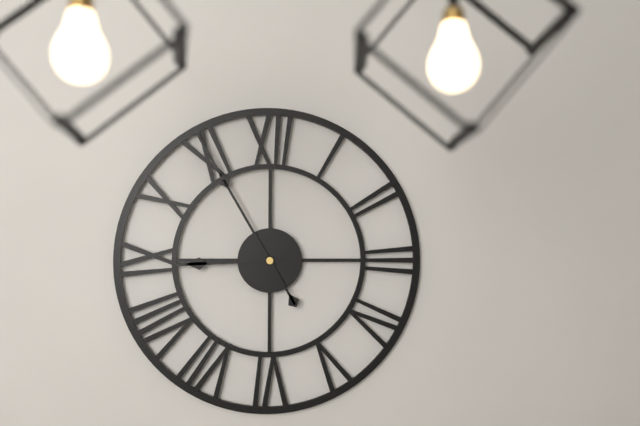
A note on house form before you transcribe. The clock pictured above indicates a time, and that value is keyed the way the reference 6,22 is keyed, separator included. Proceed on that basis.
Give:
8,55
